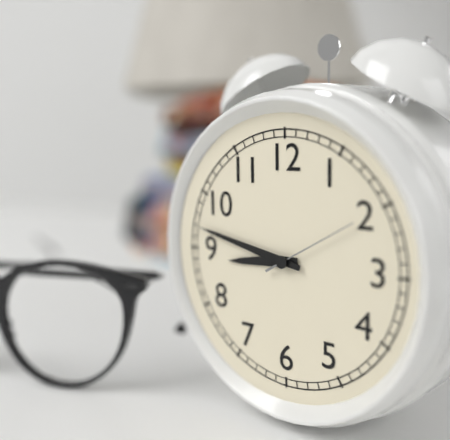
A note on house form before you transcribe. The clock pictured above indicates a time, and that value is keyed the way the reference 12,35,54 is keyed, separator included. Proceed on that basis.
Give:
8,47,10
